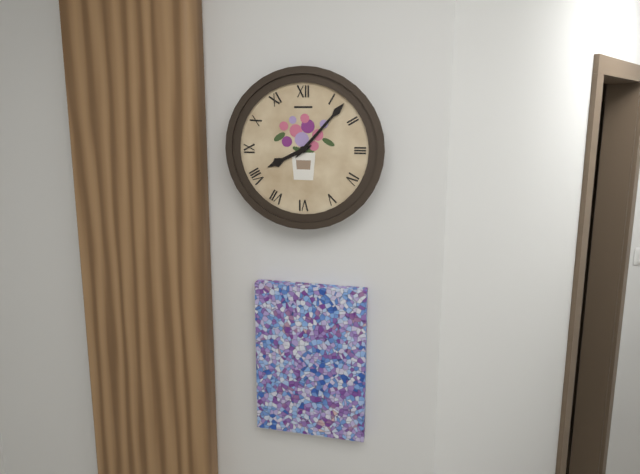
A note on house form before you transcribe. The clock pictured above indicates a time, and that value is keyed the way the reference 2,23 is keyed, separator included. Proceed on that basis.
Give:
8,07
